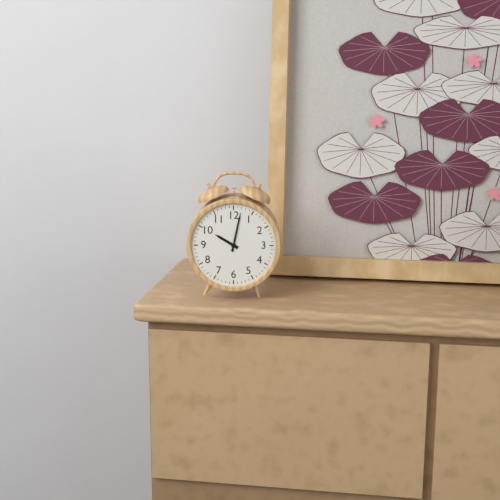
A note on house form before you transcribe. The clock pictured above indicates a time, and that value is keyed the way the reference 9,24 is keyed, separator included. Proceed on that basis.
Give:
10,02
